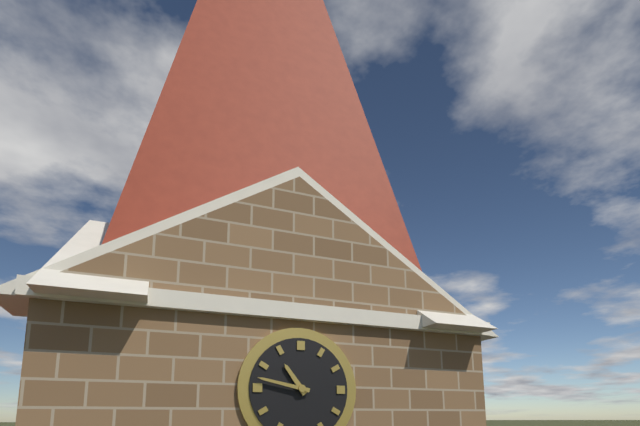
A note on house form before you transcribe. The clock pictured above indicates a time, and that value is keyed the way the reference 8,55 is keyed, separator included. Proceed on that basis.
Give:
10,47
